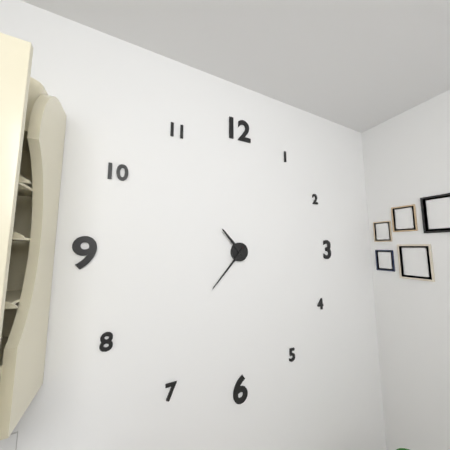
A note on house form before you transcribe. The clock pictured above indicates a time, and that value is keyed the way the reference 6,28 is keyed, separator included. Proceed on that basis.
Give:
10,37
